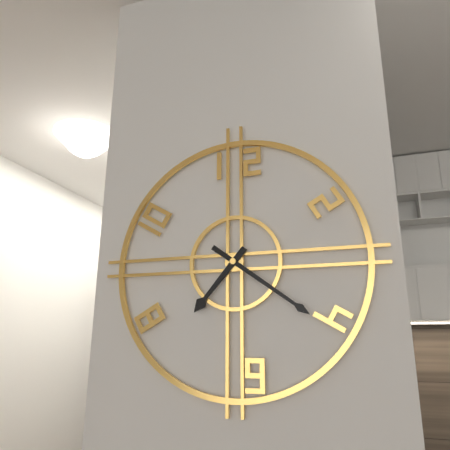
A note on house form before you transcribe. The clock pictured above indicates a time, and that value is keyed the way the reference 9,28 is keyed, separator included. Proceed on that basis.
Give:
7,21
